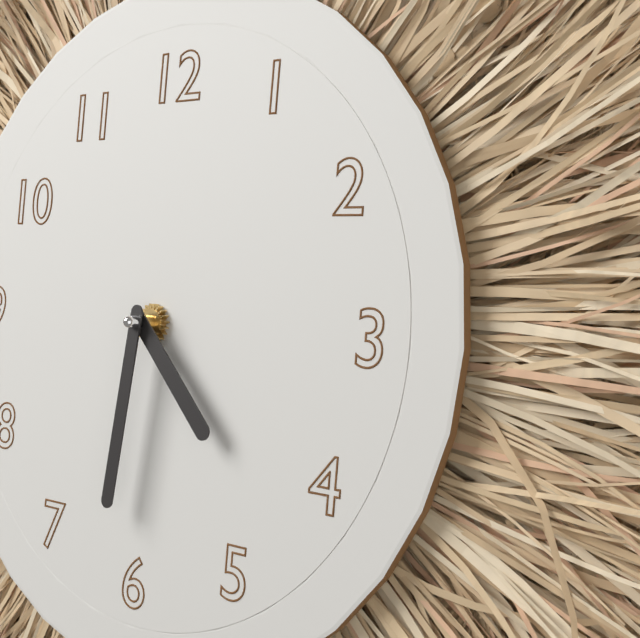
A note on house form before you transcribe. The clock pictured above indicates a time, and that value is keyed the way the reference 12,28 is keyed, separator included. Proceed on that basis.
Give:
4,31
